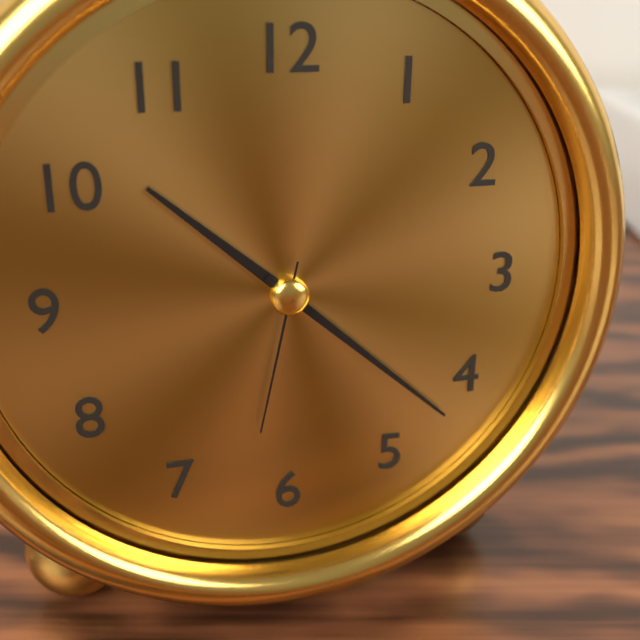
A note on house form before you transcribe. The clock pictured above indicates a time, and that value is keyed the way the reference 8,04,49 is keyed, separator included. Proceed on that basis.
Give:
10,22,32
